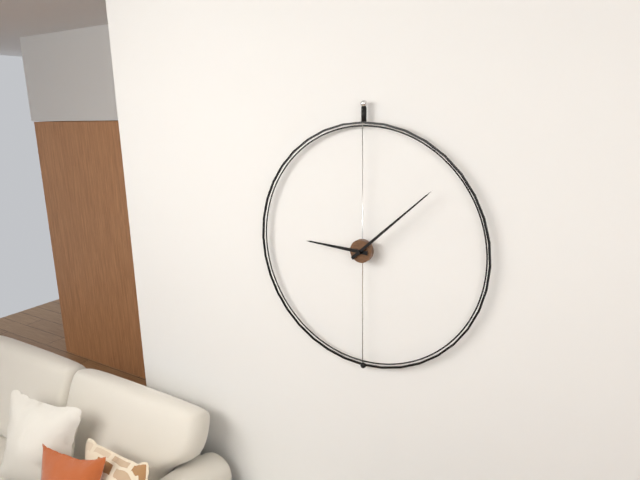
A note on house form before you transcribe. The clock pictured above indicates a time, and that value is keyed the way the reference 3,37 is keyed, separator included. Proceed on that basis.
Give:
9,08
